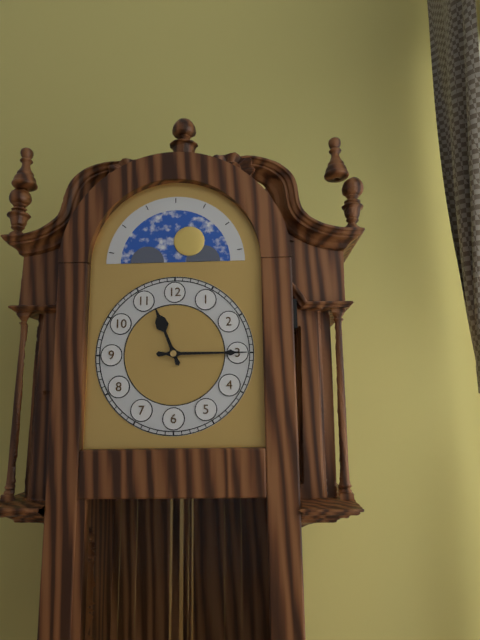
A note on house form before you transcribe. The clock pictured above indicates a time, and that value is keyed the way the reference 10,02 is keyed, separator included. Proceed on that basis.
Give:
11,15
